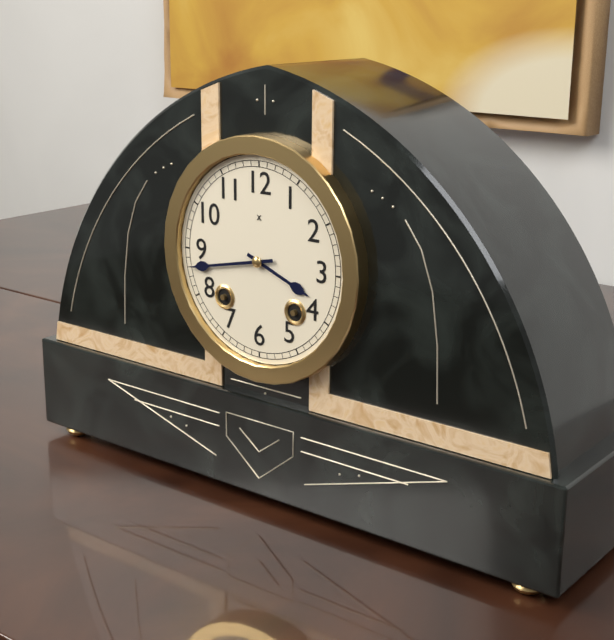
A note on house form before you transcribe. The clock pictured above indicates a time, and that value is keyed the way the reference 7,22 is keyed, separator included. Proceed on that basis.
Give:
3,43
